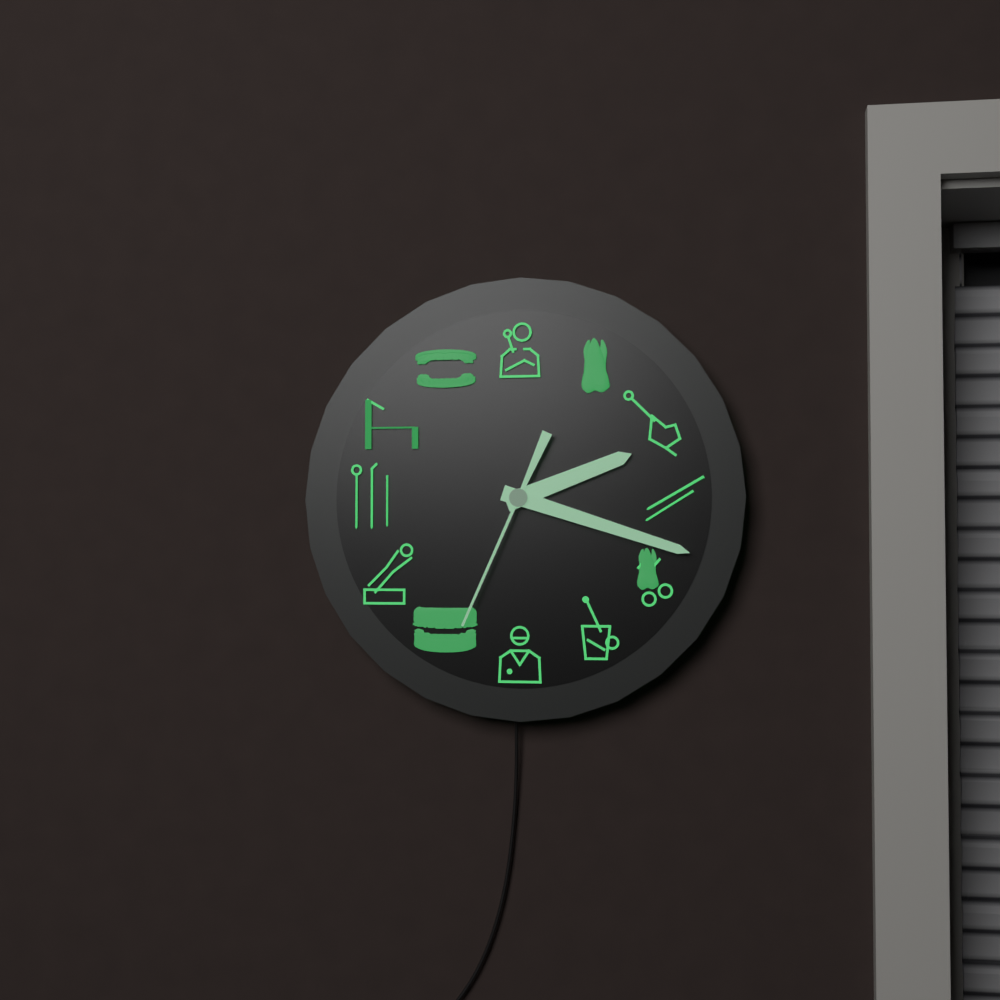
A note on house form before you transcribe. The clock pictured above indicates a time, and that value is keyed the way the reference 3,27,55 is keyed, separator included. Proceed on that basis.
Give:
2,18,34
